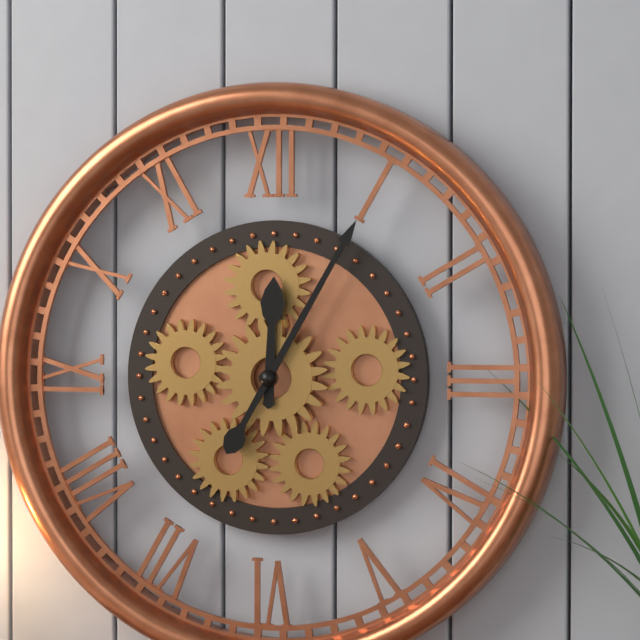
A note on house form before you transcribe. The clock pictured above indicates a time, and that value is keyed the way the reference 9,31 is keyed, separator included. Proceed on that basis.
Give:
12,05
